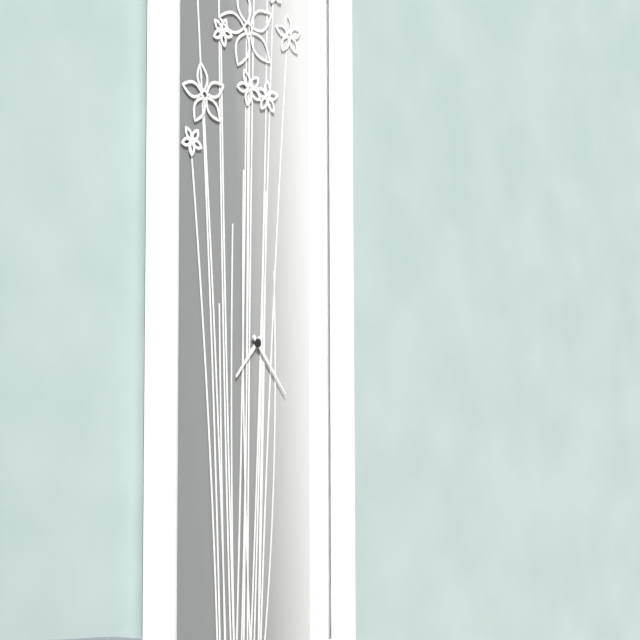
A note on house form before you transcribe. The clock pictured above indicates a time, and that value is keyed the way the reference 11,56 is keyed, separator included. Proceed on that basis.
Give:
7,23
